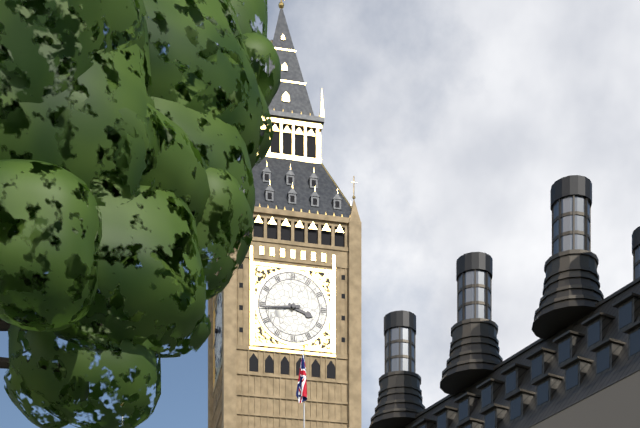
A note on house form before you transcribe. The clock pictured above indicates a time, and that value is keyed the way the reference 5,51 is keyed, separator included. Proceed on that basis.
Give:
3,44
